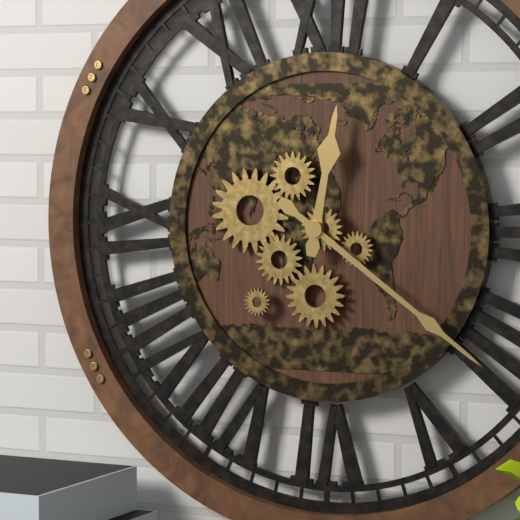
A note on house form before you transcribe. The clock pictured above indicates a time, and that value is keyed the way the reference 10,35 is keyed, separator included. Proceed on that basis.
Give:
12,21
